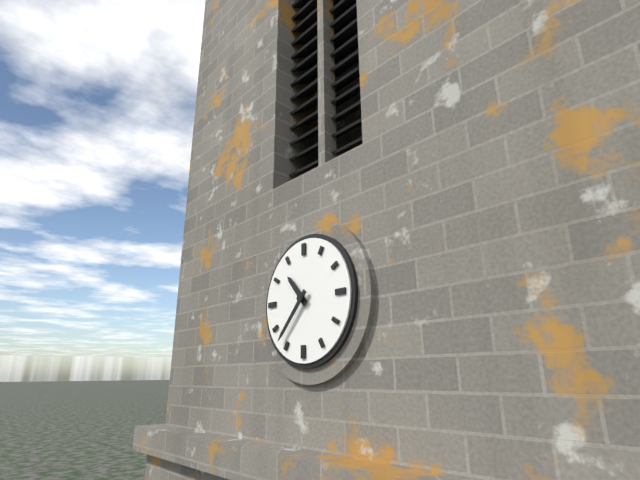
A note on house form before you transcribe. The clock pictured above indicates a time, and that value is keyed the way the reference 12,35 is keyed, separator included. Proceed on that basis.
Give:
10,37
